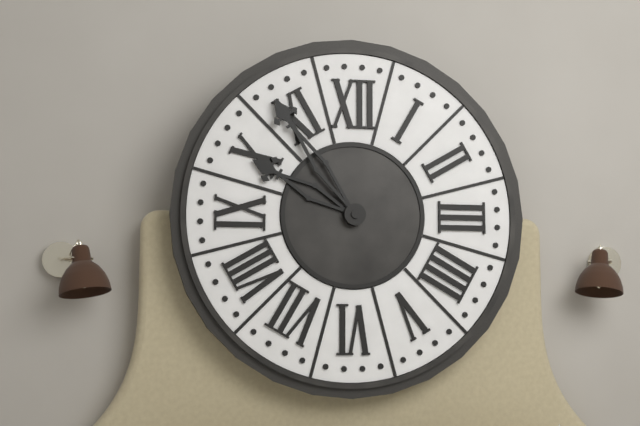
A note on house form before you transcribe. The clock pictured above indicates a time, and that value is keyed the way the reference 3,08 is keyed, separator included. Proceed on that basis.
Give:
9,54
